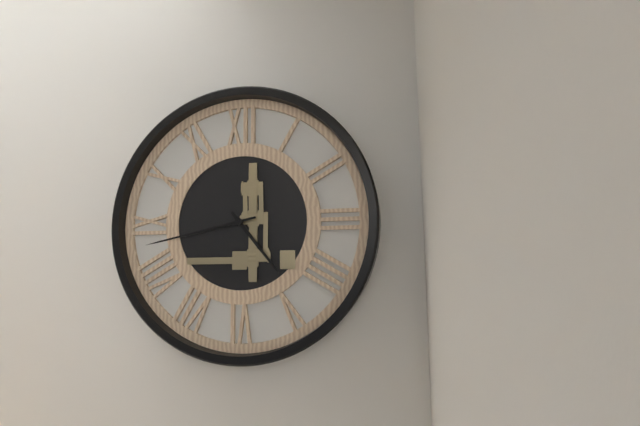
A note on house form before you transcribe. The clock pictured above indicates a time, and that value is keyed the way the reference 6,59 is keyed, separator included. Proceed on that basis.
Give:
4,43
